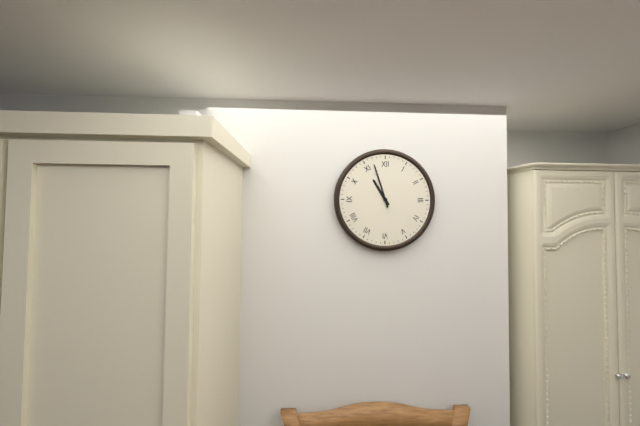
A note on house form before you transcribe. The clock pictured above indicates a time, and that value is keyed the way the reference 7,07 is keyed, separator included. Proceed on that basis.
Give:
10,57
